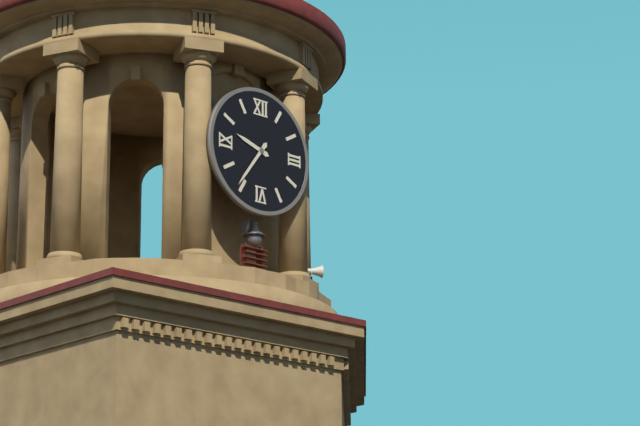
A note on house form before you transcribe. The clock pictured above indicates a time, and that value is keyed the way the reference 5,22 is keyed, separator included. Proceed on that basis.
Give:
9,36
